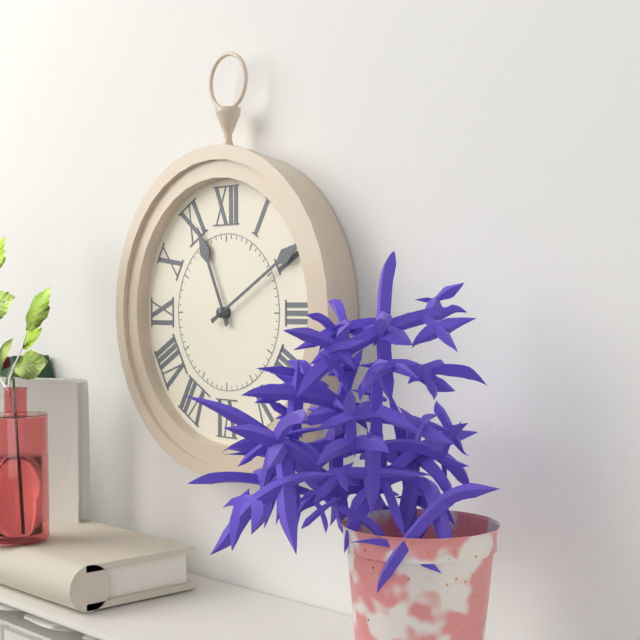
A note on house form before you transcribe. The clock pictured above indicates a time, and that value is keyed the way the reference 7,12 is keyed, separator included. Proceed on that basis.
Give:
11,10
